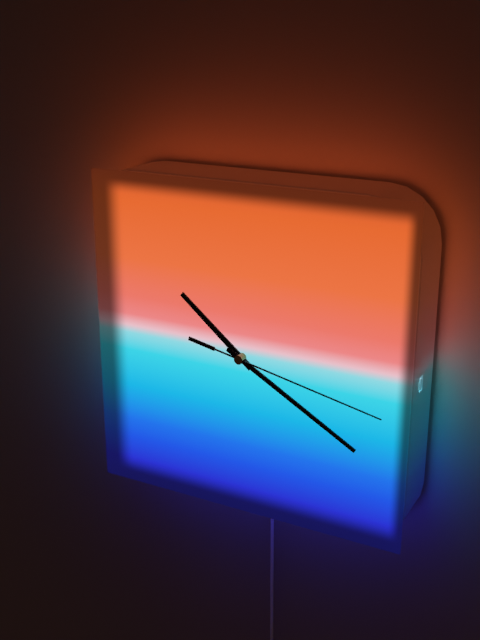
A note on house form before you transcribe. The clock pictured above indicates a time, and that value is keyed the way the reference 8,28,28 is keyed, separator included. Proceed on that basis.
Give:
10,20,17
